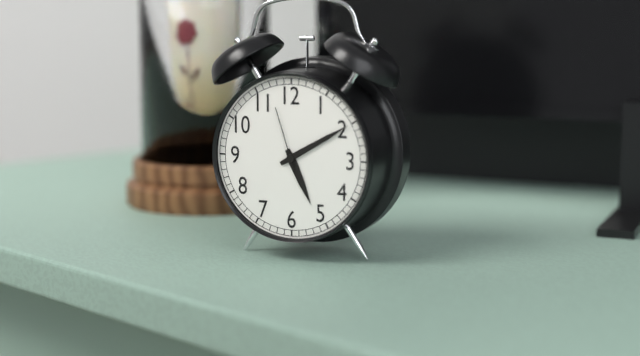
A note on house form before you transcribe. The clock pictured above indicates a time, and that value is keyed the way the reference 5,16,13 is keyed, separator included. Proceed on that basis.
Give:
5,10,57
